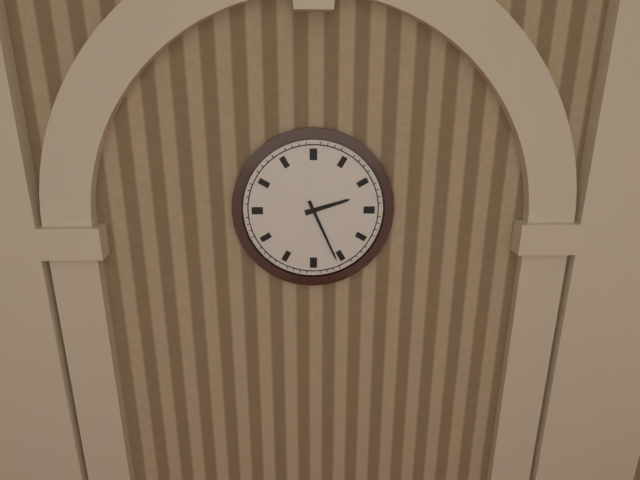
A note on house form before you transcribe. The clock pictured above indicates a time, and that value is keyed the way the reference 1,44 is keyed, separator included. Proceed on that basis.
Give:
2,26
